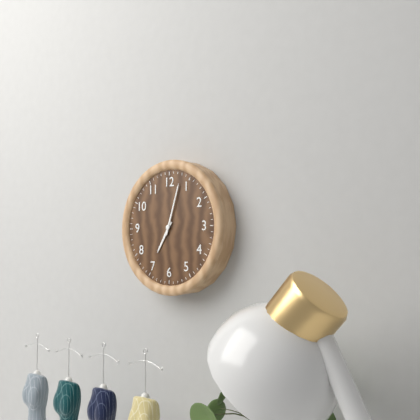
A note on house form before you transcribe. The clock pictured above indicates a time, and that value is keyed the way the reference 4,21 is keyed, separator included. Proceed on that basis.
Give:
7,03
